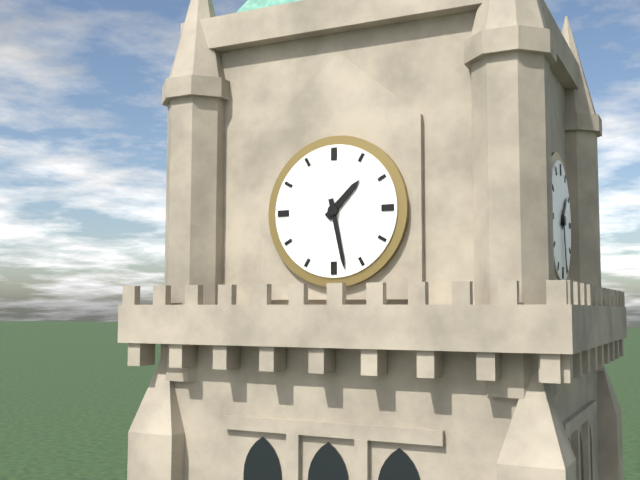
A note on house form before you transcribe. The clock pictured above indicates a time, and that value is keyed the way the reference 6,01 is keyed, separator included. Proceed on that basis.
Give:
1,28
